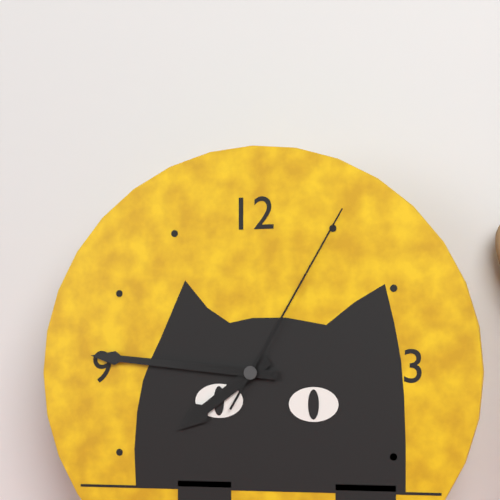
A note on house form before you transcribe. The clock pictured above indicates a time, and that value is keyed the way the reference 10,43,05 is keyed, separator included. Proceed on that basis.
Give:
7,46,05
